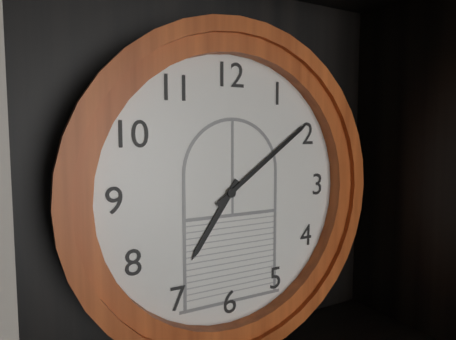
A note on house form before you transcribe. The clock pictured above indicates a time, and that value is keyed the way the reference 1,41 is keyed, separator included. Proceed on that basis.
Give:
7,09
